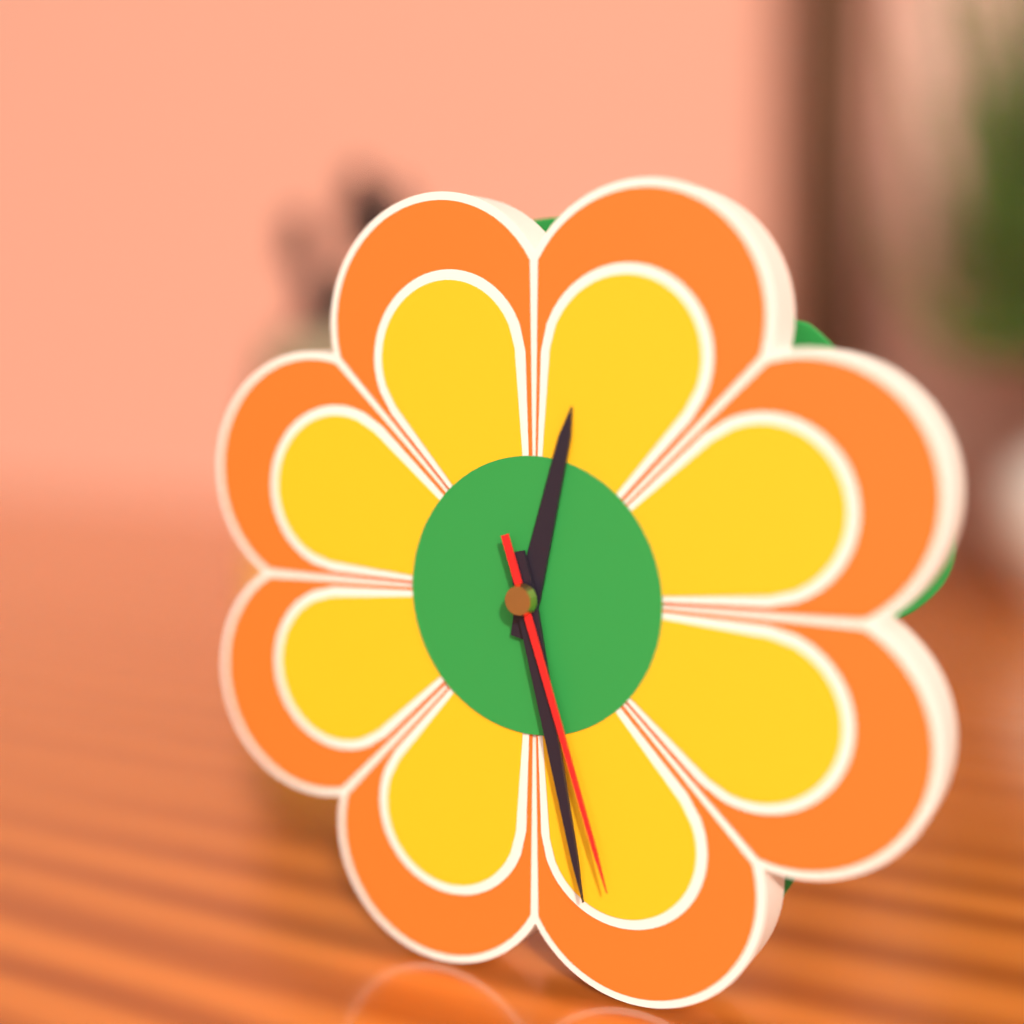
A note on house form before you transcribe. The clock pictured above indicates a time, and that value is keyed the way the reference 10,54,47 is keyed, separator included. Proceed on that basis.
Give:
12,28,27
